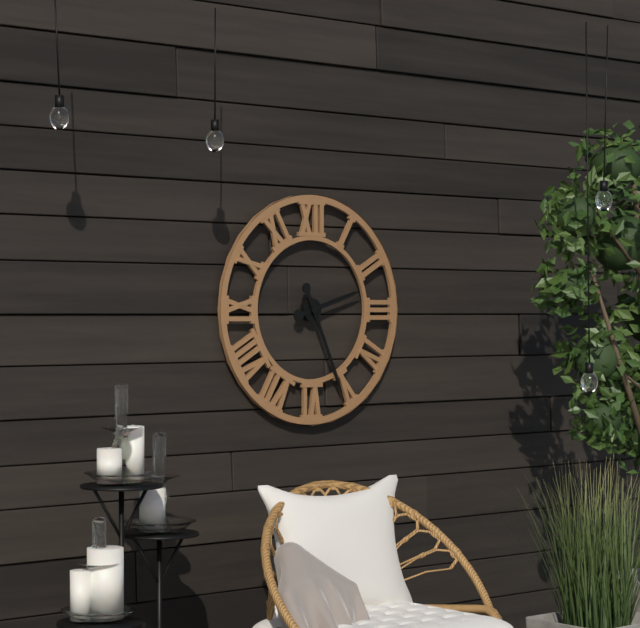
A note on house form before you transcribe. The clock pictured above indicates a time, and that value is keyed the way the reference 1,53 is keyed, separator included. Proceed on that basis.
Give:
2,26
